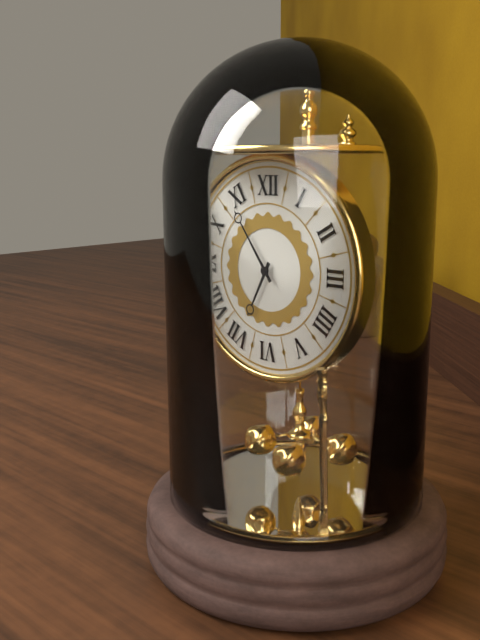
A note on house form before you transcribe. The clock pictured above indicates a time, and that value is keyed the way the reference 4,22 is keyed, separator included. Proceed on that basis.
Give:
6,54
